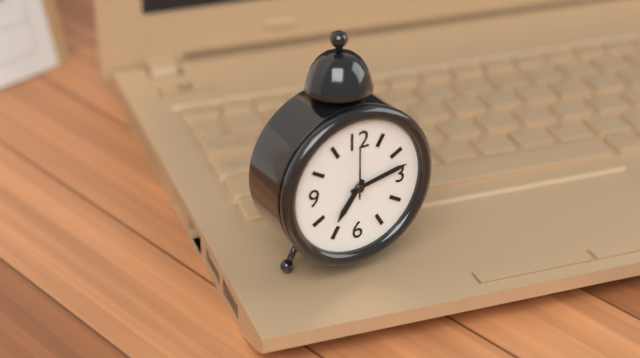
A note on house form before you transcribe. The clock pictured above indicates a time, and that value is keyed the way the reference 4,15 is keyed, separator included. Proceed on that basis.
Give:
7,13
